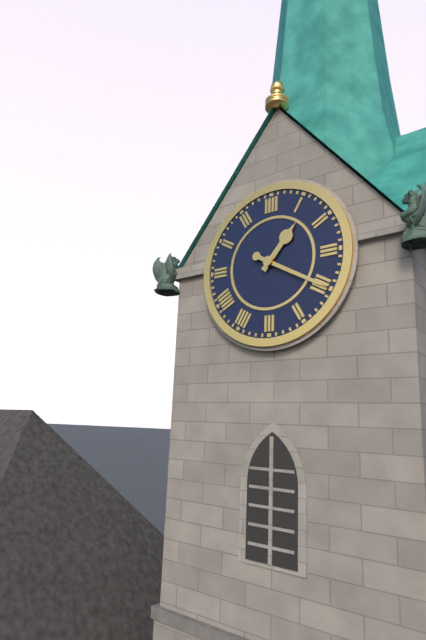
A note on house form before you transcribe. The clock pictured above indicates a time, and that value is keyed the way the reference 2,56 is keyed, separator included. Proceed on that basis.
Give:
1,20
